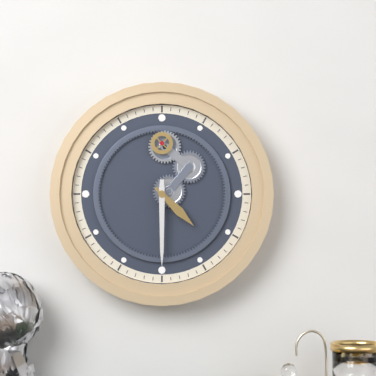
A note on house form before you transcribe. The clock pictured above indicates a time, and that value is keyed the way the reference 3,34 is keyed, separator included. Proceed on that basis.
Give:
4,30
